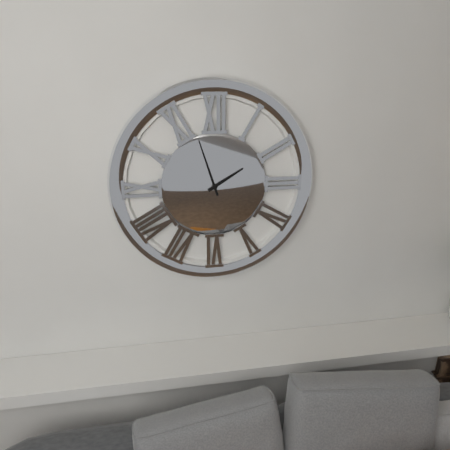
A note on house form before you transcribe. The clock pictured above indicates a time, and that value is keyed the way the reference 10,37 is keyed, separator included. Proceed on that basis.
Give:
1,57
